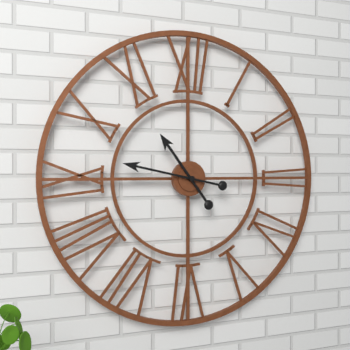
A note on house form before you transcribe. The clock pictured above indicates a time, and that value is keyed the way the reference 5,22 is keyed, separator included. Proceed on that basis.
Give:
10,47
